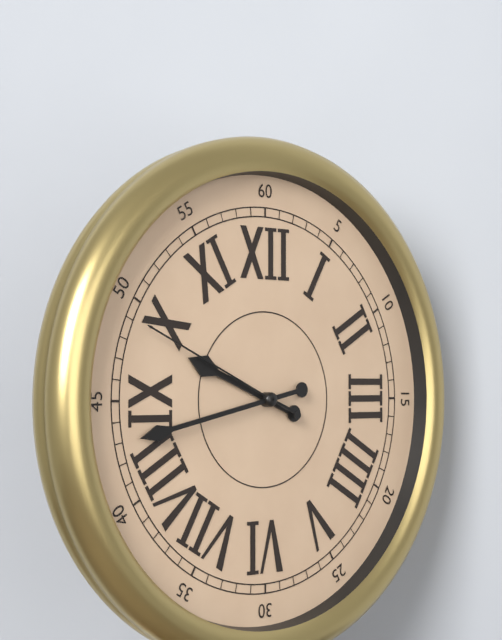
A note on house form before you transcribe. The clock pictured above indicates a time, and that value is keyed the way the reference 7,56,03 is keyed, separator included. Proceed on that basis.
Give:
9,43,49
